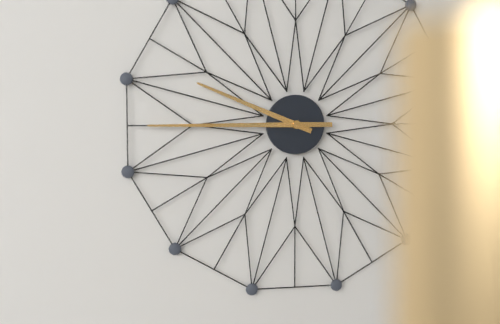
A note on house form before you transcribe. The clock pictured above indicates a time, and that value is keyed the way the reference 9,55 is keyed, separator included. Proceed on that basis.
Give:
9,45
